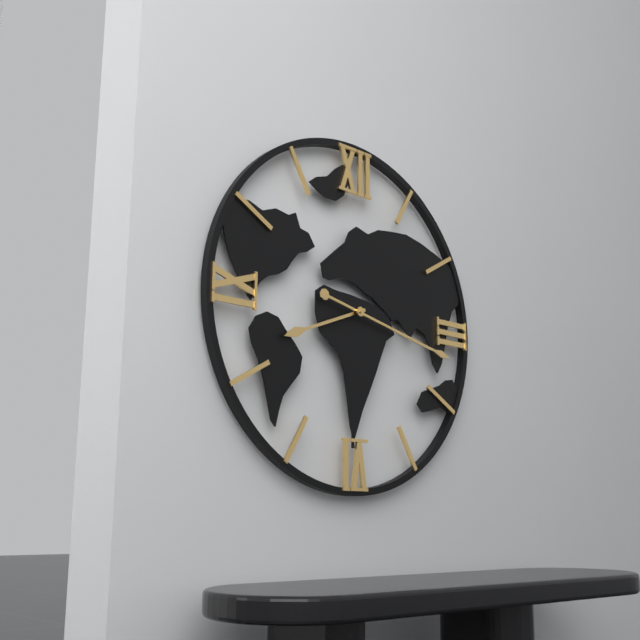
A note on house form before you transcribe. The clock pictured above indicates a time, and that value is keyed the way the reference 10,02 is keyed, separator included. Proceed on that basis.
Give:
8,17
